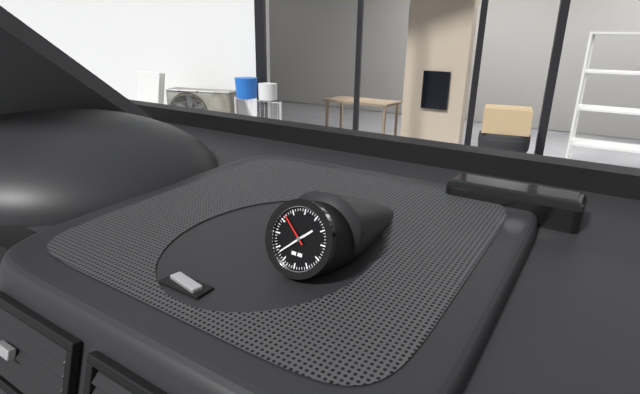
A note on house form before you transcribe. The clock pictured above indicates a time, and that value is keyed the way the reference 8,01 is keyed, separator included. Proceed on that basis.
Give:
1,38
